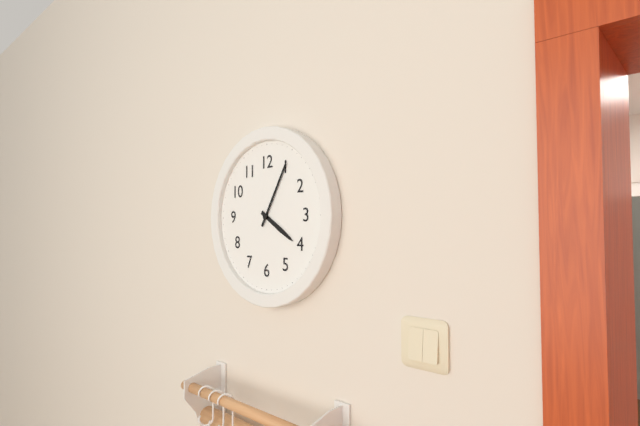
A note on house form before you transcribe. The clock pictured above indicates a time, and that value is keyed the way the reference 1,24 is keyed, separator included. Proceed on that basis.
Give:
4,05
